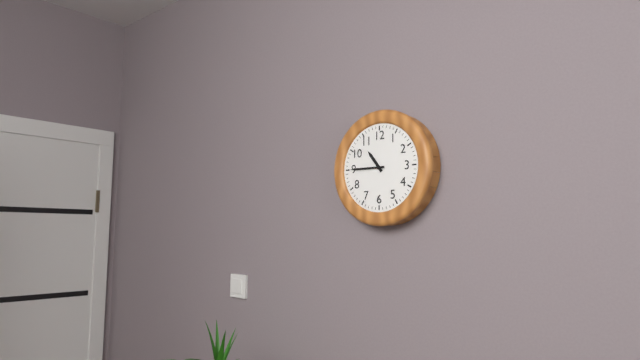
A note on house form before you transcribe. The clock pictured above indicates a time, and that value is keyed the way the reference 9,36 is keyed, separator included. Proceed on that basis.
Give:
10,45
